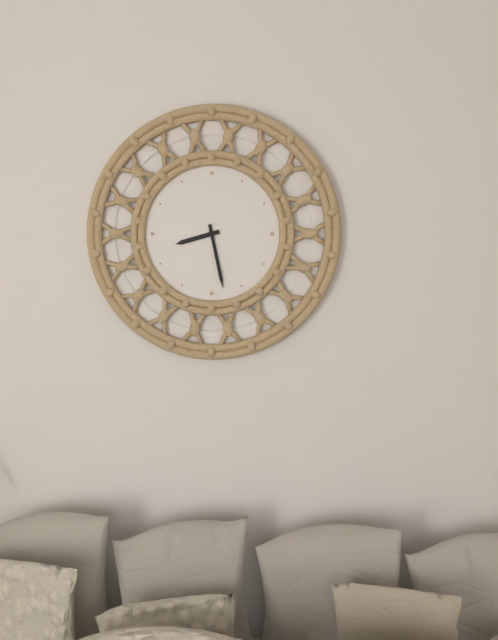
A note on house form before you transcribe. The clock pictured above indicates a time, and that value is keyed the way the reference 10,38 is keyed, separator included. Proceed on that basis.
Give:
8,28
